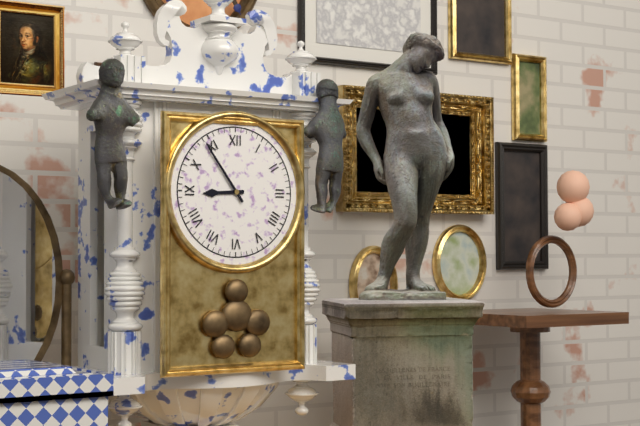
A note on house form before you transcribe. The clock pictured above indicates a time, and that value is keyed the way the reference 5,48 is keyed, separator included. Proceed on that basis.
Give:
8,54
